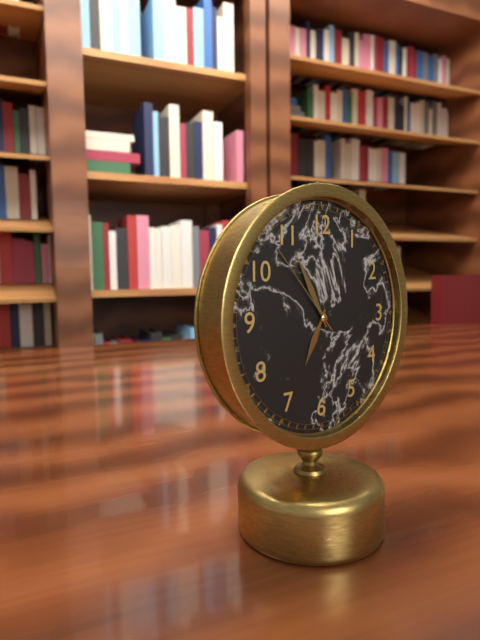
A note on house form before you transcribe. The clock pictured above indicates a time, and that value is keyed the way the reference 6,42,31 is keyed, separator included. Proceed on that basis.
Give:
6,55,53
